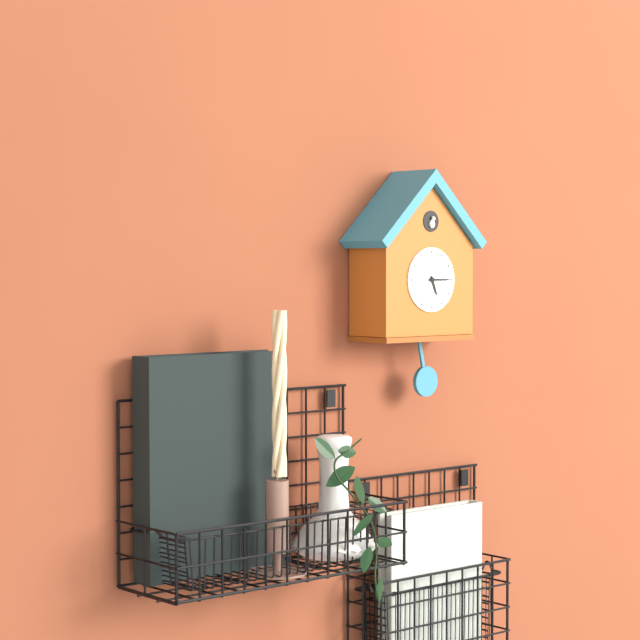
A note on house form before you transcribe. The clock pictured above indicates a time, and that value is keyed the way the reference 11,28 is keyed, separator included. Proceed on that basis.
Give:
5,15
